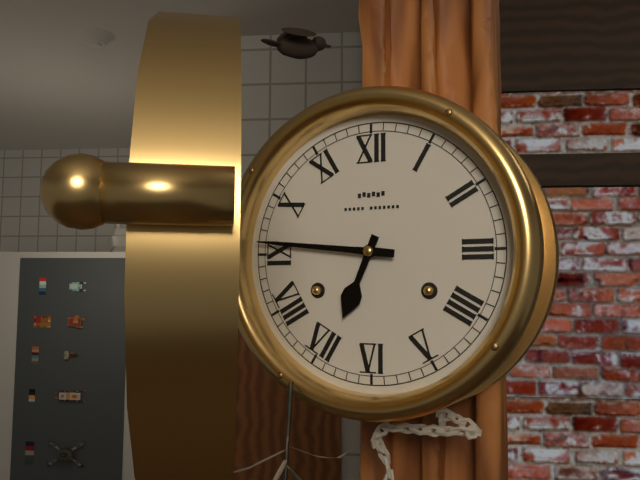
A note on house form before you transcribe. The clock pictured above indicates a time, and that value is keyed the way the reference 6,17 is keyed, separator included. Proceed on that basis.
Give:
6,46
